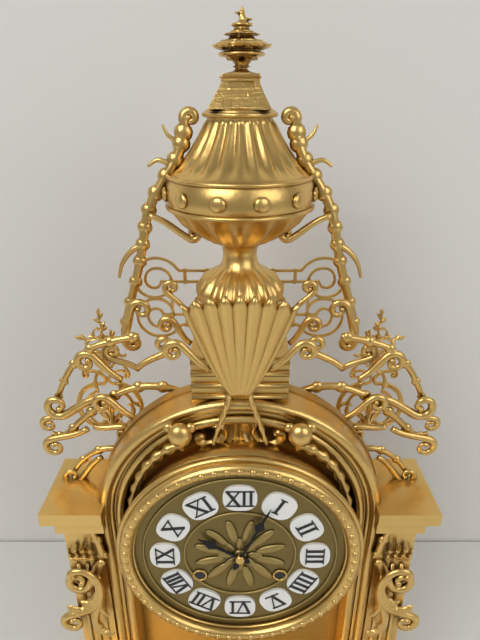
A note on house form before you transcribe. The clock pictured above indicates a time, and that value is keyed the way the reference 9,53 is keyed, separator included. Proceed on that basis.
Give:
10,04
